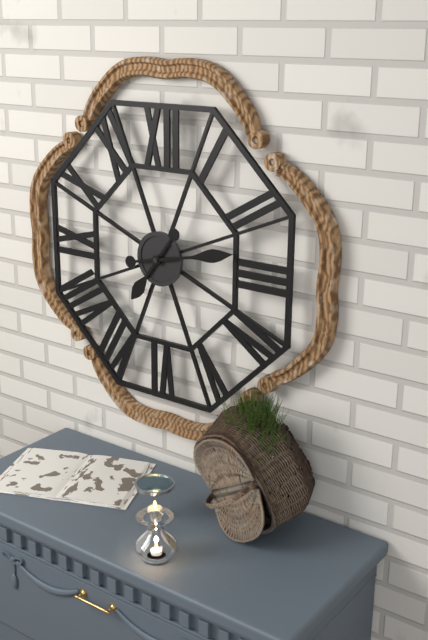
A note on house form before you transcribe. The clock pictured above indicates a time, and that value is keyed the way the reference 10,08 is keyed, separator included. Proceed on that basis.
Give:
7,13
